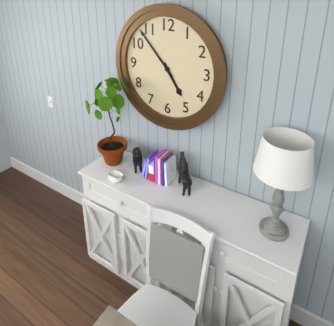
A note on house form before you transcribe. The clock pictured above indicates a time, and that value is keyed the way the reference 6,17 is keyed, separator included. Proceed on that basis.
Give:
4,53
